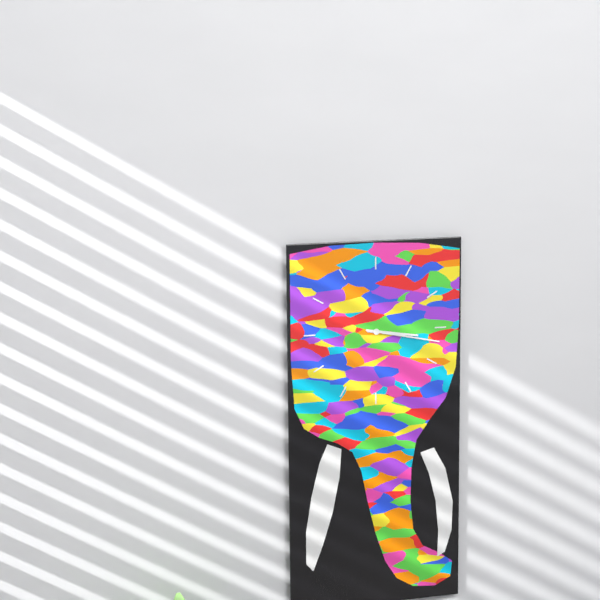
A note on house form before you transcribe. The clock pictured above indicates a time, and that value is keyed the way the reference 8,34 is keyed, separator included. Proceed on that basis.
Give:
3,17
